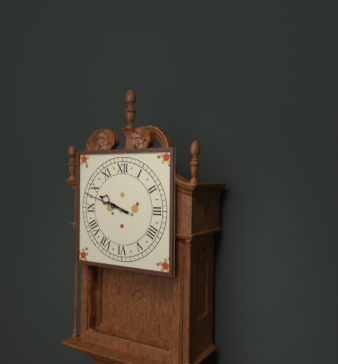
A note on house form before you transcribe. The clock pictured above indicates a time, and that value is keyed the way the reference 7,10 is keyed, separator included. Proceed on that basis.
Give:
9,48
